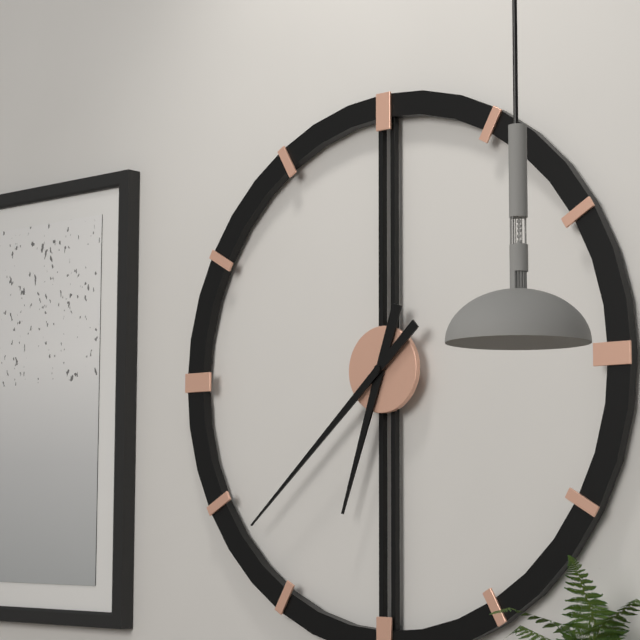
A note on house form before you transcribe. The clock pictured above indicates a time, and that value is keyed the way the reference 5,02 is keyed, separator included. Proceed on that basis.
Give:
6,38
